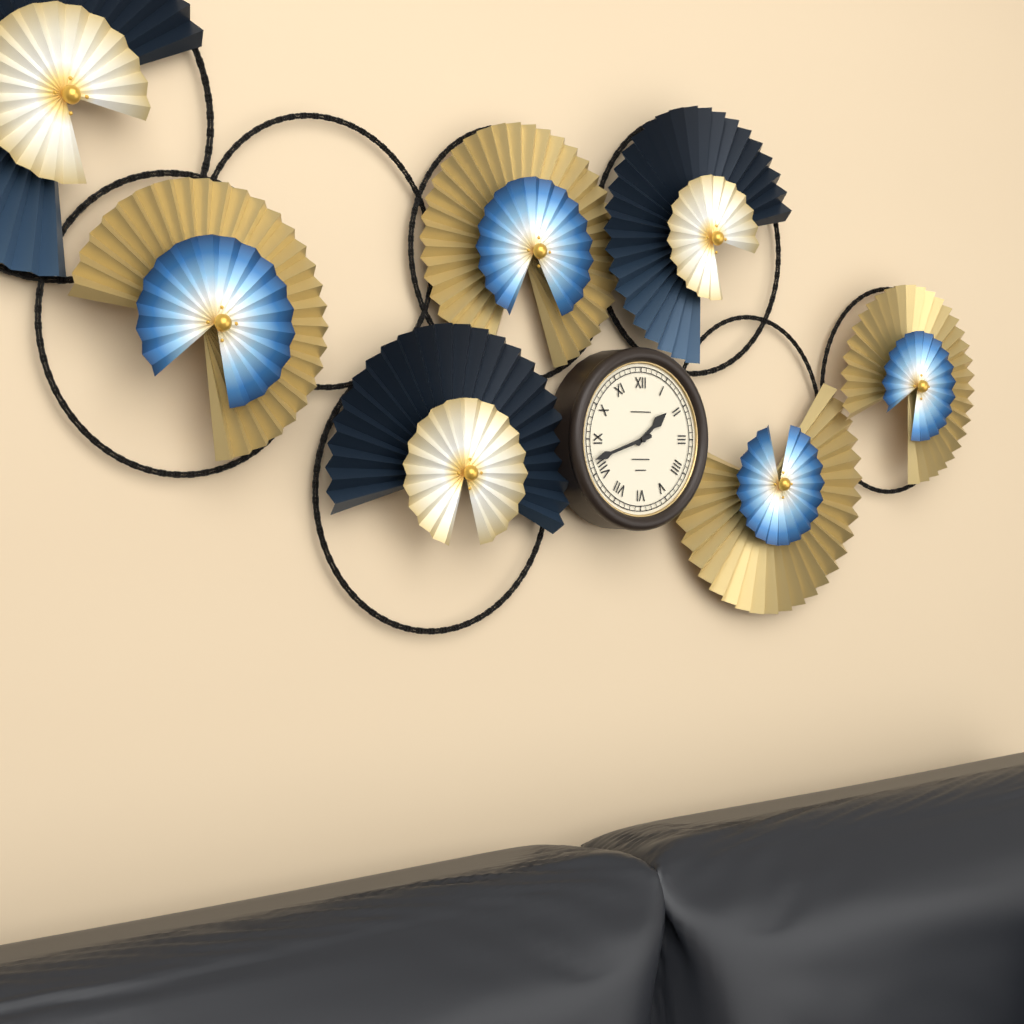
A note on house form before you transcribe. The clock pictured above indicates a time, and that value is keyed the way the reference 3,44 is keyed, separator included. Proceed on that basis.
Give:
1,42
